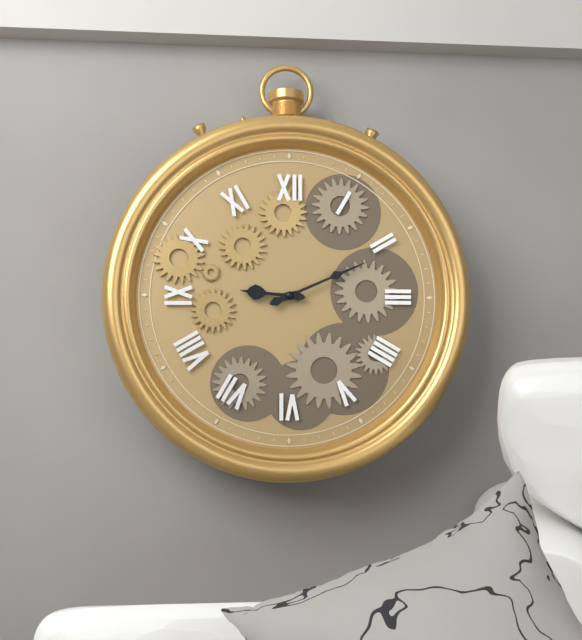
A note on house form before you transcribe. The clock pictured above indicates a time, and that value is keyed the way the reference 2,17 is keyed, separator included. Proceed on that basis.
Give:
9,11
